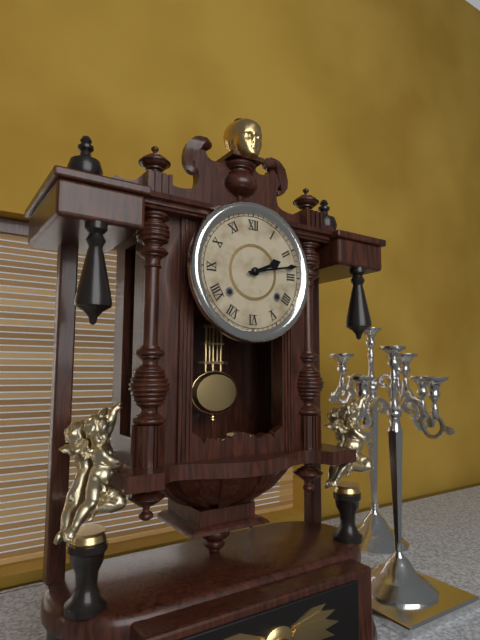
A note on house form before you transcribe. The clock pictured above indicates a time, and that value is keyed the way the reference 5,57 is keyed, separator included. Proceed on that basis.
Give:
2,13
